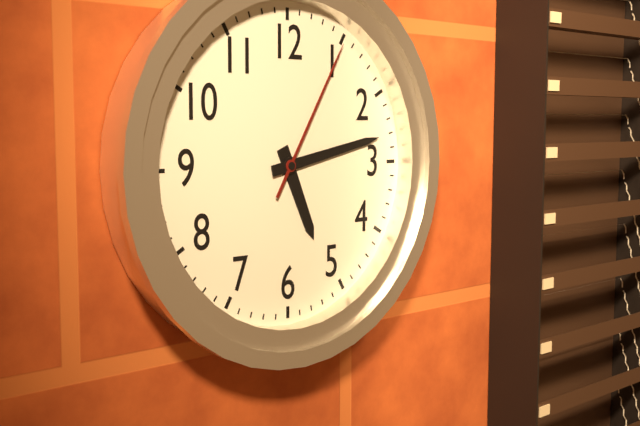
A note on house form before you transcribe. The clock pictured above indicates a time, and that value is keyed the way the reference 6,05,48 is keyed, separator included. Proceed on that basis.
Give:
5,13,05
